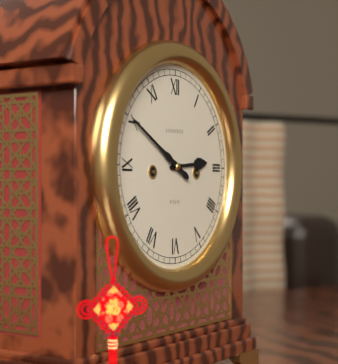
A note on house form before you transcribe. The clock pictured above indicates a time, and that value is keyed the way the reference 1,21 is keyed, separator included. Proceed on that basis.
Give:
2,50
